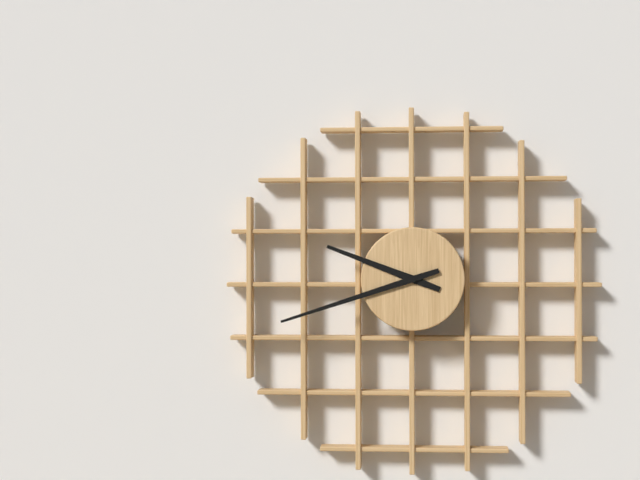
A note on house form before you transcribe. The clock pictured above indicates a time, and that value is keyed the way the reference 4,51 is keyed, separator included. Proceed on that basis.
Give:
9,42
